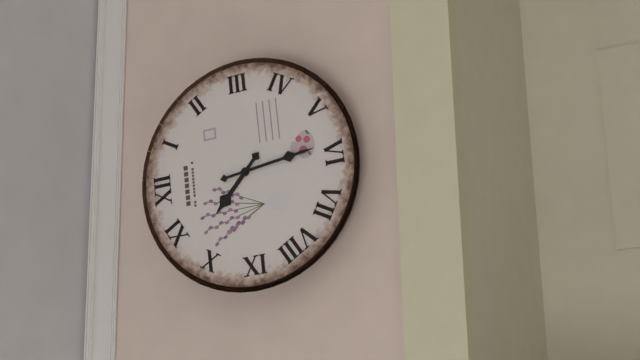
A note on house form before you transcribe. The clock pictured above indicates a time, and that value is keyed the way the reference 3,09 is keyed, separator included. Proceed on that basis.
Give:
10,29
